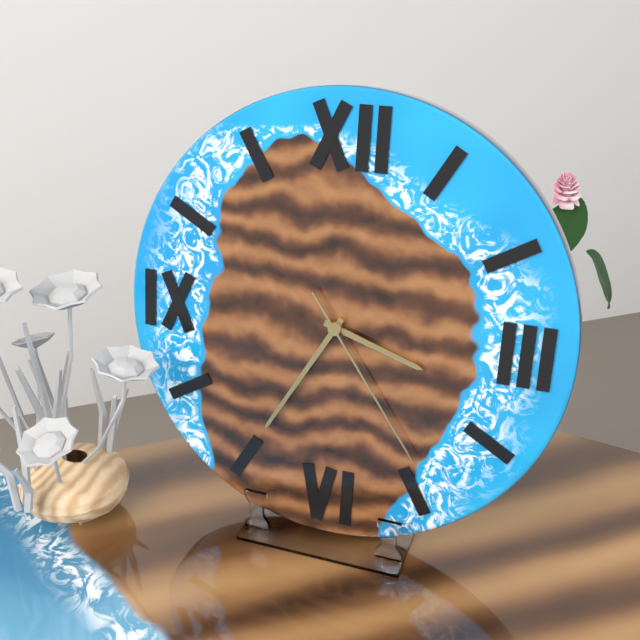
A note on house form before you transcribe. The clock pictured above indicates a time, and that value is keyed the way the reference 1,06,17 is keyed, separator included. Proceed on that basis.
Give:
3,35,24
